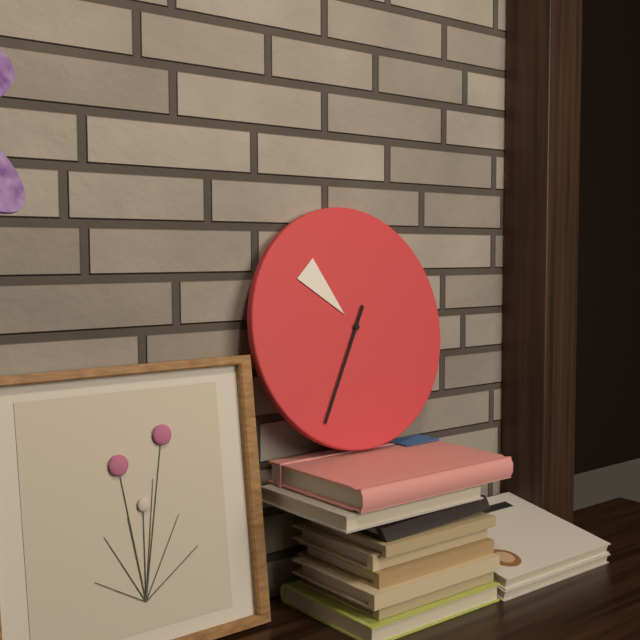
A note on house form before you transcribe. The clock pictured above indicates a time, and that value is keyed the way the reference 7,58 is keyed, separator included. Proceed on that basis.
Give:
10,35
